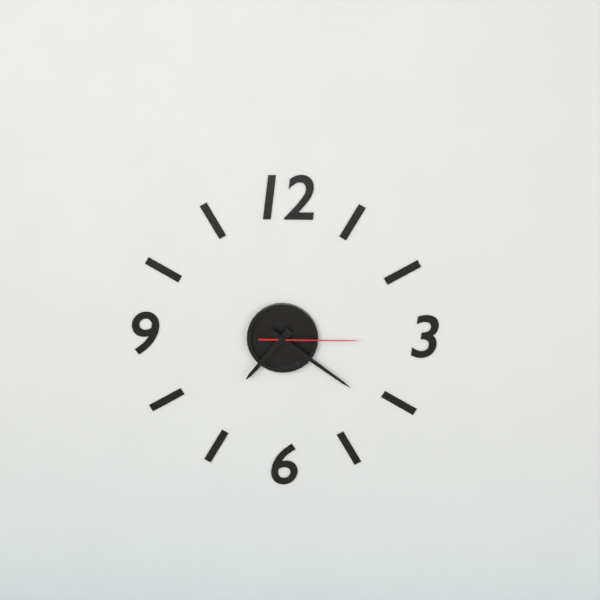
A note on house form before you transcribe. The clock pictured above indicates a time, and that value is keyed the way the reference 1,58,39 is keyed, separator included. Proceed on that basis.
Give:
7,21,15
